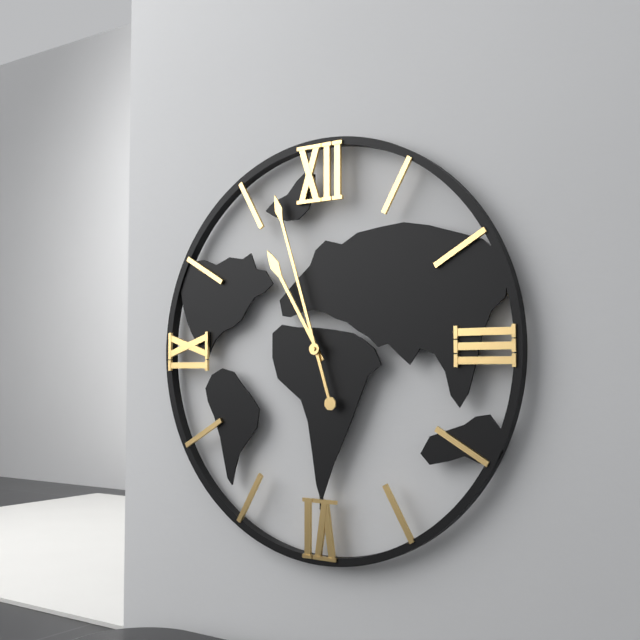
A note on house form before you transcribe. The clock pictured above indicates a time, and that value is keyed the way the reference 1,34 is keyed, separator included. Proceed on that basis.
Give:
10,57
